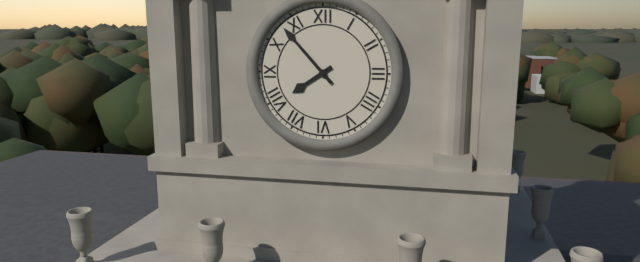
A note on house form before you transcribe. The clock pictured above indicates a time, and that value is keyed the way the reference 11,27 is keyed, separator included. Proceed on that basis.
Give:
7,53
